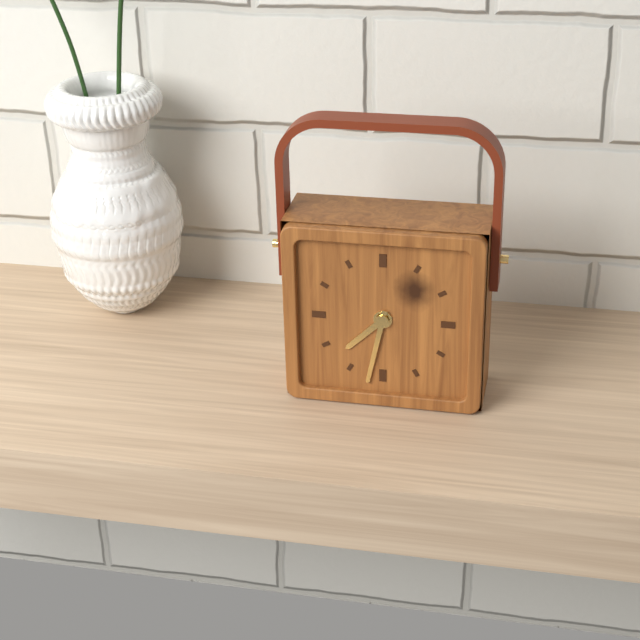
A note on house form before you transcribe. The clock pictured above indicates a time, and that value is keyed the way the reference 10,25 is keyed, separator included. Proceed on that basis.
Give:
7,32
